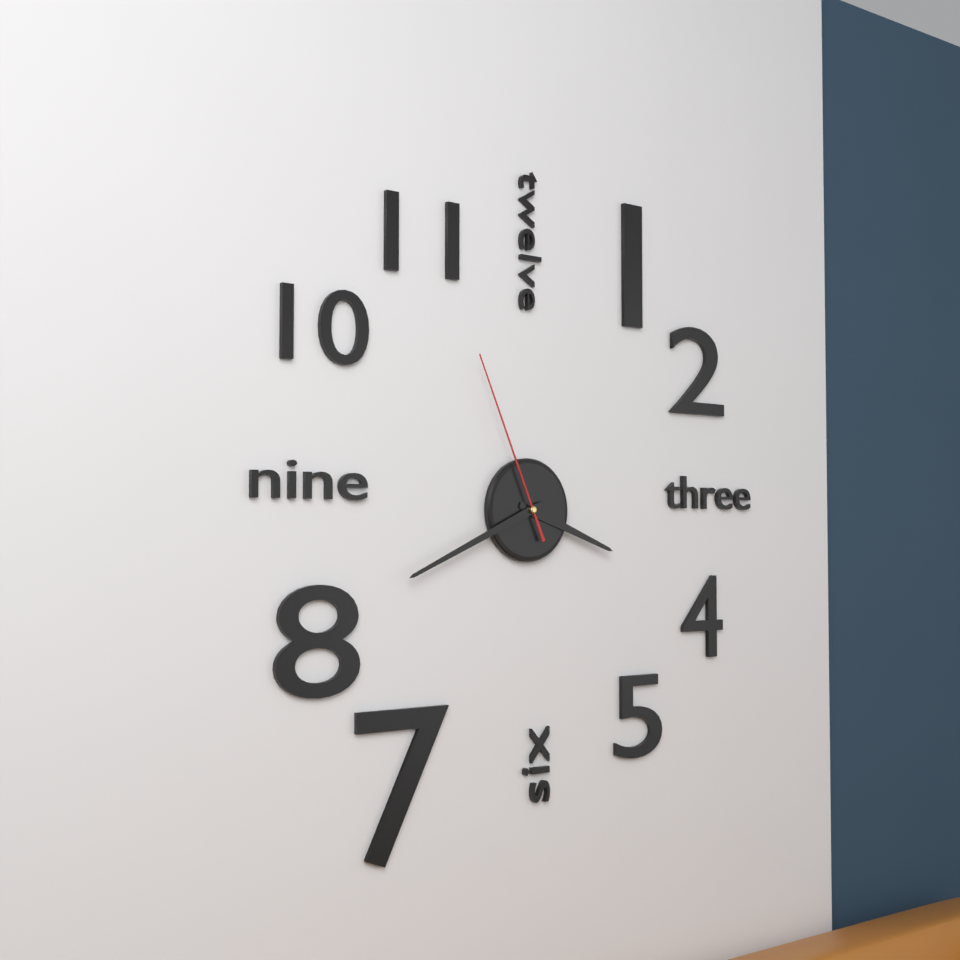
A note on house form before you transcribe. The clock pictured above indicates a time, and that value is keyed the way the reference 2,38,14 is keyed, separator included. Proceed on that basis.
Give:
3,41,56
